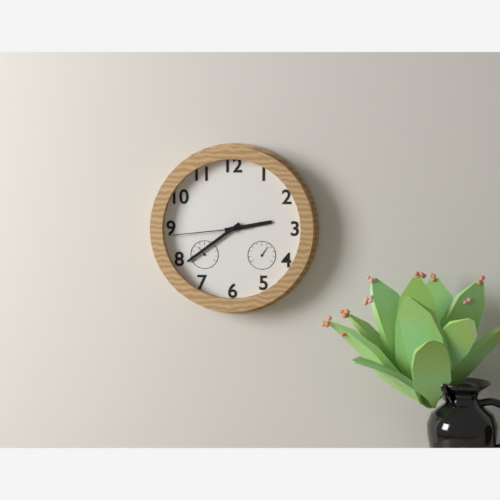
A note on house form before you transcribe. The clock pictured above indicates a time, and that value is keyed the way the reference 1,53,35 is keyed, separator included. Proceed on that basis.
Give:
2,39,44
